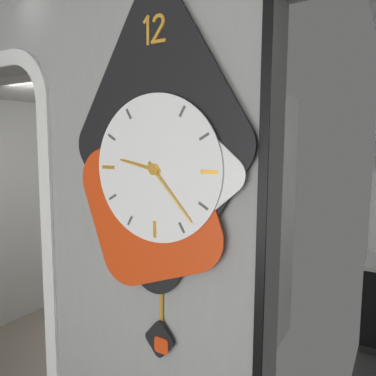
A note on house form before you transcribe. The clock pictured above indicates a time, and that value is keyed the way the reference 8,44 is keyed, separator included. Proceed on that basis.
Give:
9,23
